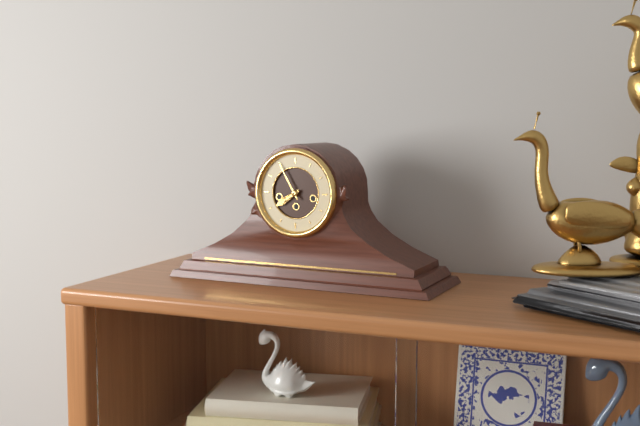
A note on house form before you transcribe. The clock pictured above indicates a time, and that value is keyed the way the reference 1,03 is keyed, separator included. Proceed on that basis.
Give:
7,55
